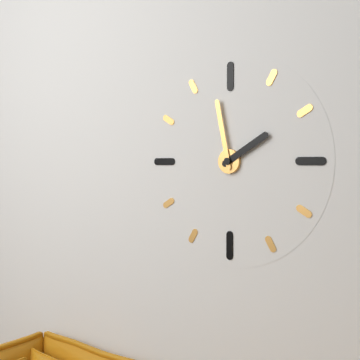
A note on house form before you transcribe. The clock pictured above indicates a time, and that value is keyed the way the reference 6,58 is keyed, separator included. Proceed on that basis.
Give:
1,58
